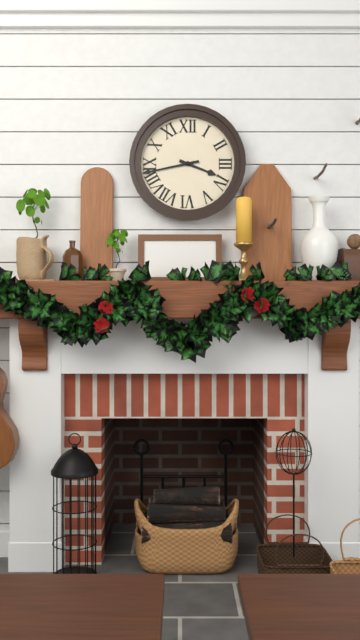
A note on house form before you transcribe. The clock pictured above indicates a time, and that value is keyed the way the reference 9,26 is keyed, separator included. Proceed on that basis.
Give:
3,43
